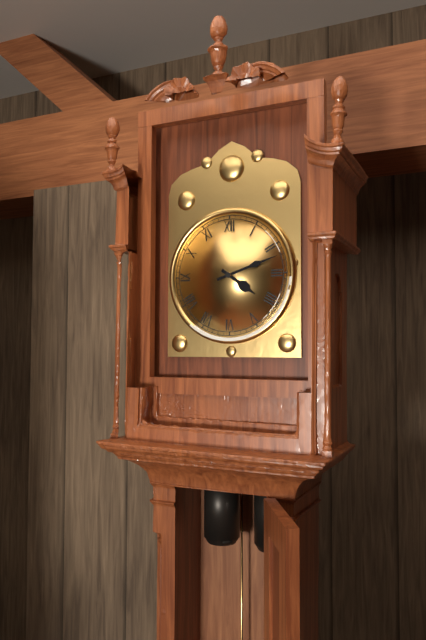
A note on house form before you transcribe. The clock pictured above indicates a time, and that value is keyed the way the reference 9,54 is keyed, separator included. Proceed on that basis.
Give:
4,12
